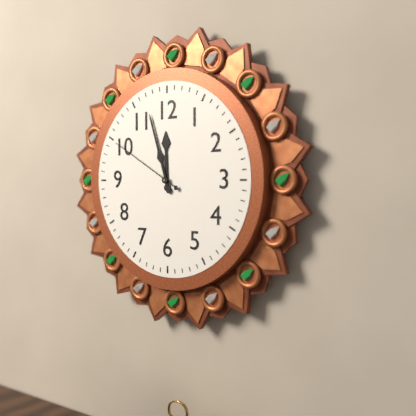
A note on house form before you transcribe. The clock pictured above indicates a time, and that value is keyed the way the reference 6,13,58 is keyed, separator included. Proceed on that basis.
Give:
11,57,50
